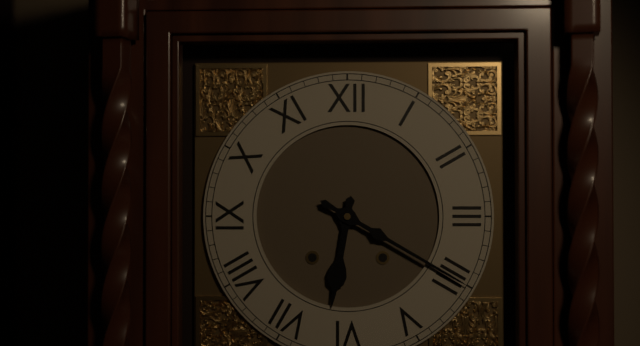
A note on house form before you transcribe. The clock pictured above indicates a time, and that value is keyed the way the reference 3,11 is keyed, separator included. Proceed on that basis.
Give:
6,20
